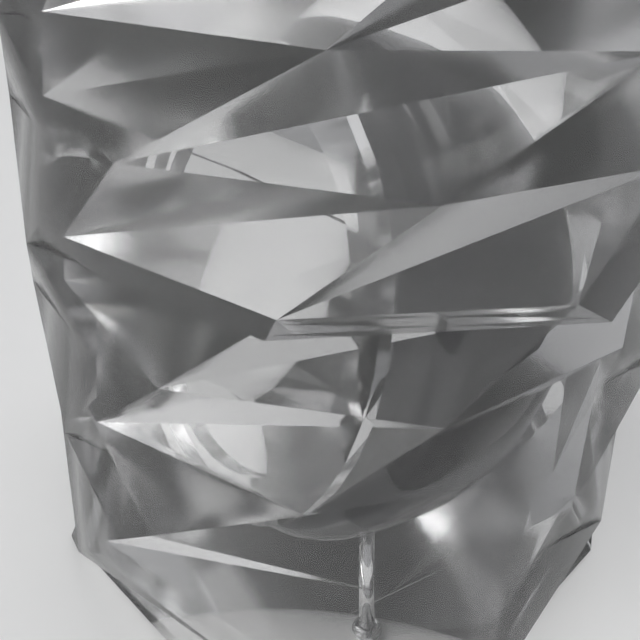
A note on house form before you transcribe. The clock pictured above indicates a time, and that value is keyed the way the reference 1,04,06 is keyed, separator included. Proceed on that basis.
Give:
3,41,46
